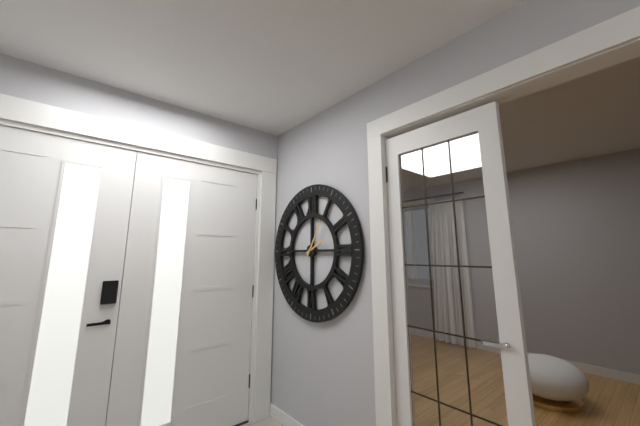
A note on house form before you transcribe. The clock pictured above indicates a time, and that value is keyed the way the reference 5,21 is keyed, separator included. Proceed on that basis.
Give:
2,05
